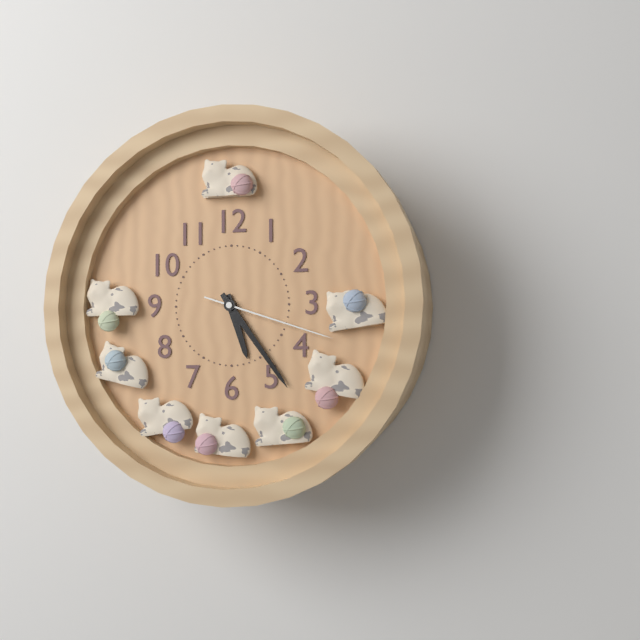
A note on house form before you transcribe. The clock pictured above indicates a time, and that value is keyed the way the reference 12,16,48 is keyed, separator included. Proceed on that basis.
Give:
5,24,18
